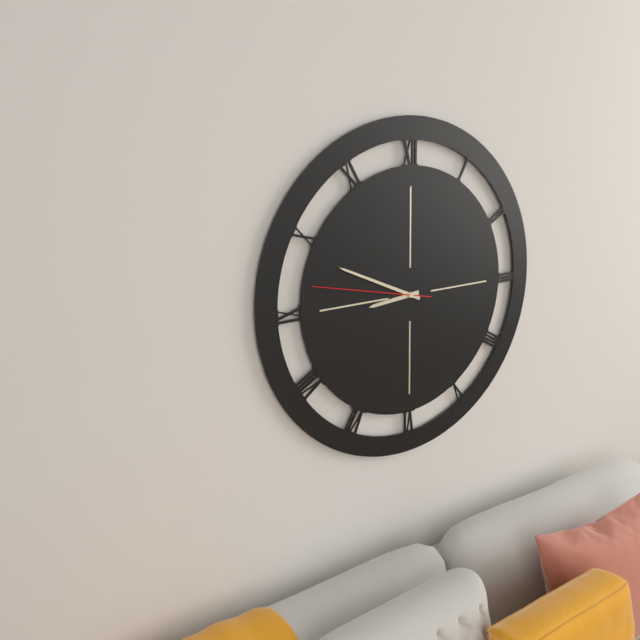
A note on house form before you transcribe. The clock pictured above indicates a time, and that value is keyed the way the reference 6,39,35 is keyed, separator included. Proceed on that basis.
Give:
8,49,47
